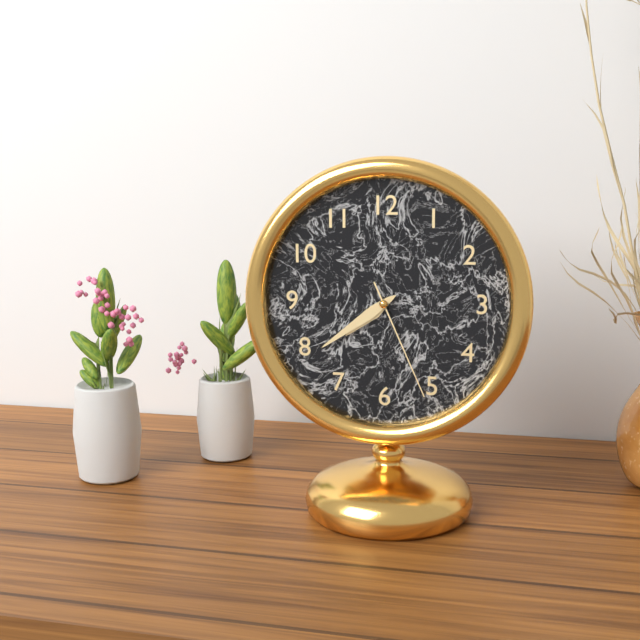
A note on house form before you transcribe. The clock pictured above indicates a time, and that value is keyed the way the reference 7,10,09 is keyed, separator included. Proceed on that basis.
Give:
7,39,26
